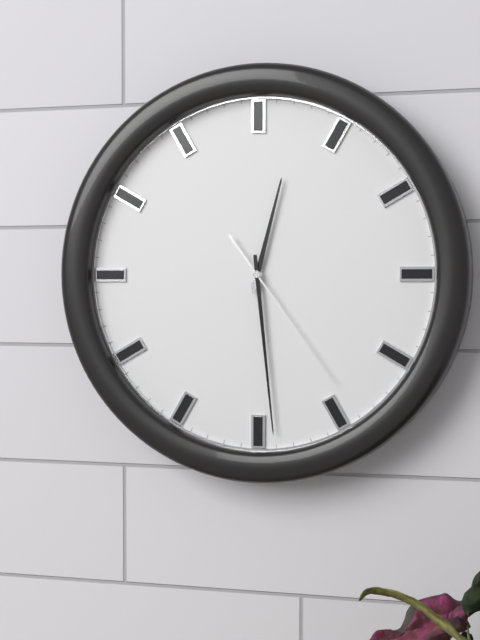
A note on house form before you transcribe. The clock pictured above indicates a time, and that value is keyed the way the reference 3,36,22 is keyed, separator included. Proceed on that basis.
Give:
12,29,24
